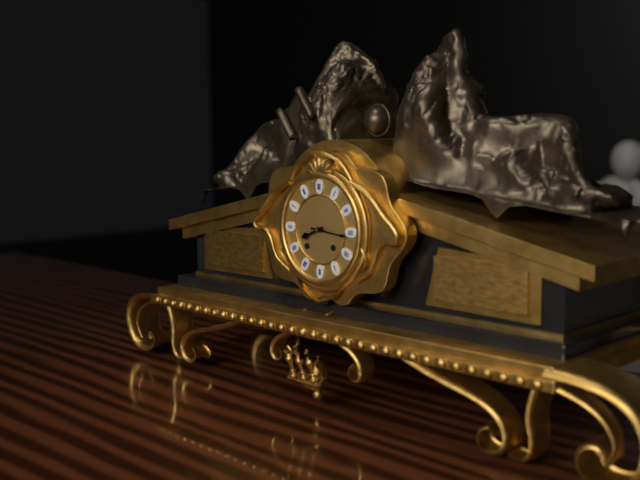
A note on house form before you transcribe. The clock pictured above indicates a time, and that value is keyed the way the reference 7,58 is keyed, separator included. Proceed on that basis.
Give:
8,16
